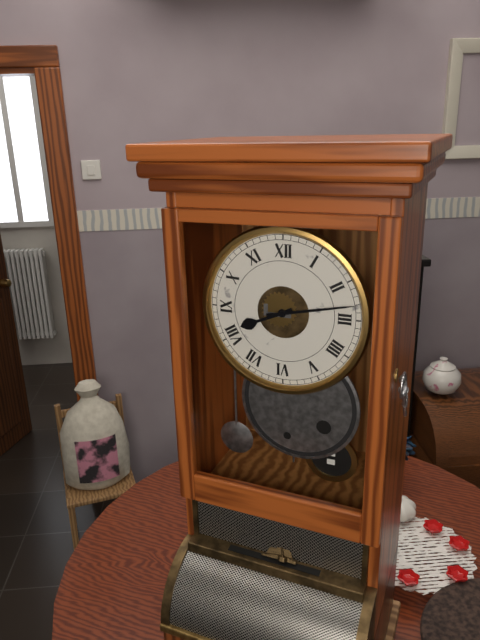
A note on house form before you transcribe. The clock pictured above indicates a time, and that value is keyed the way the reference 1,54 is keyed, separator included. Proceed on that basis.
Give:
8,13
